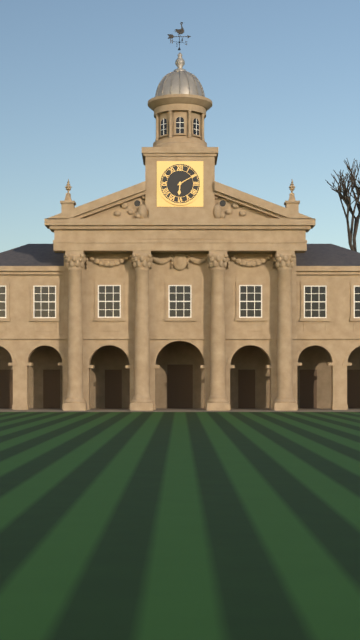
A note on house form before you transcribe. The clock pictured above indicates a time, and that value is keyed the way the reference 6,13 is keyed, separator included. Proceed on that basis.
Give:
6,10
